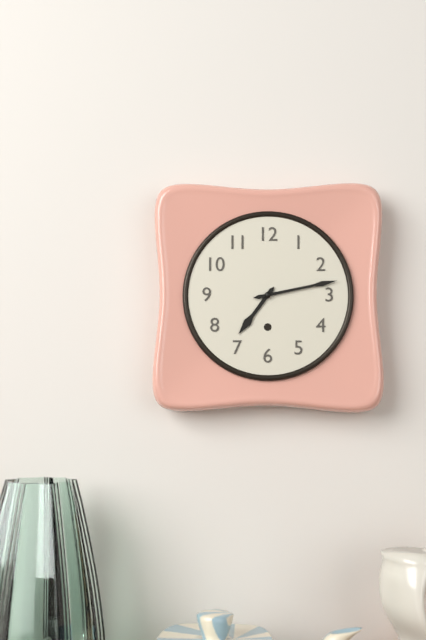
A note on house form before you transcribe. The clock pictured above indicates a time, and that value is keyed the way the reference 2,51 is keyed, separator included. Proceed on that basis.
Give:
7,13
